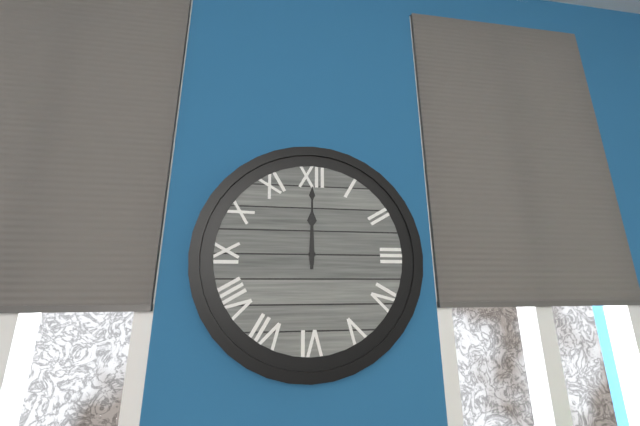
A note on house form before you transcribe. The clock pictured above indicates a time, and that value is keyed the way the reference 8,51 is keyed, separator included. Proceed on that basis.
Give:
12,00
